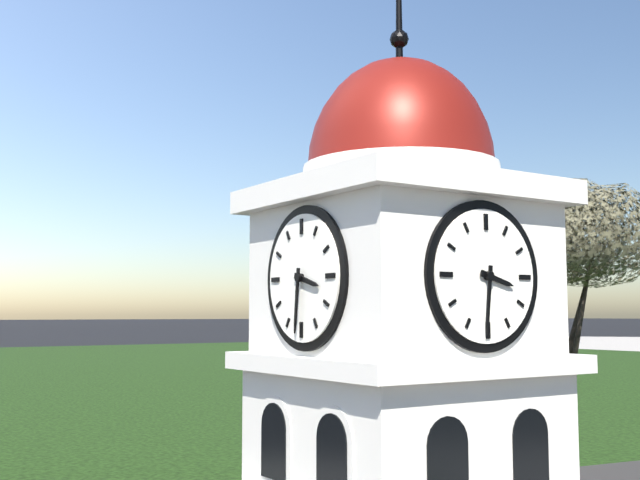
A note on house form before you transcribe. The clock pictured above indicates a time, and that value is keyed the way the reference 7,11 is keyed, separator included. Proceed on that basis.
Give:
3,31
